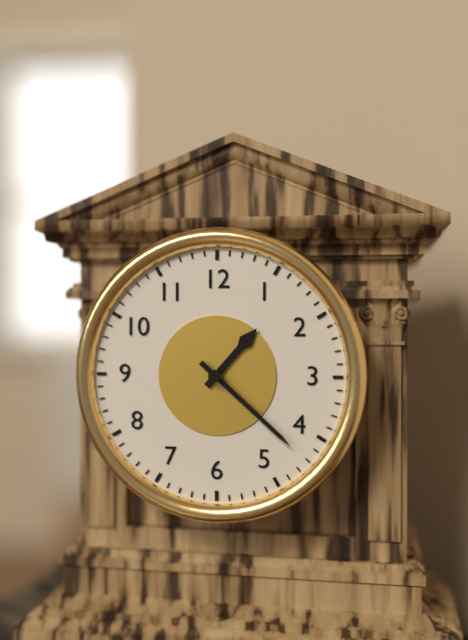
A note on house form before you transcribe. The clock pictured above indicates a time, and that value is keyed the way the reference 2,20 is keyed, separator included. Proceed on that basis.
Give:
1,22
